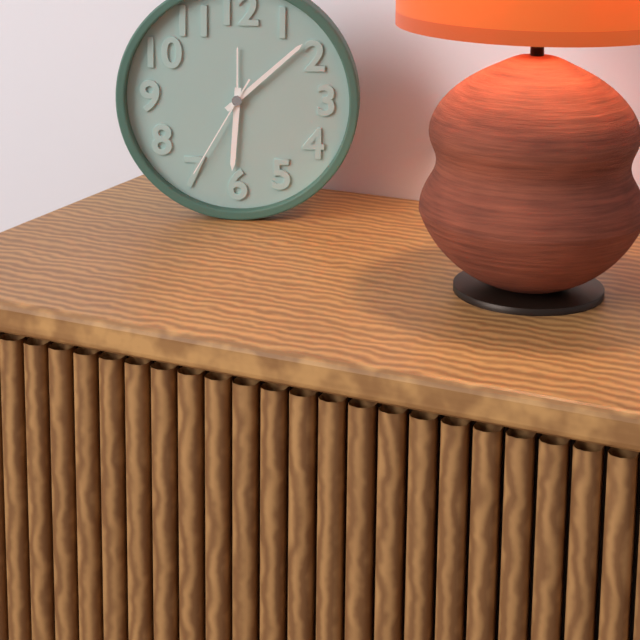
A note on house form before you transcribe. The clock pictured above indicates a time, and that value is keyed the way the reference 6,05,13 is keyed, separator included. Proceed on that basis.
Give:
6,08,35
